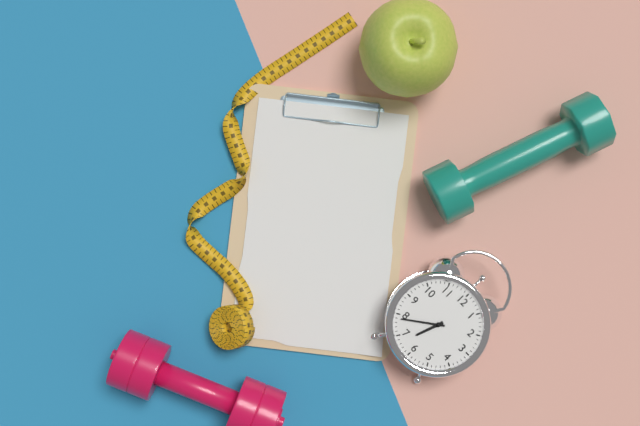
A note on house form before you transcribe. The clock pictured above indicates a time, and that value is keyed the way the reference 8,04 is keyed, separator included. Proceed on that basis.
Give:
6,39
